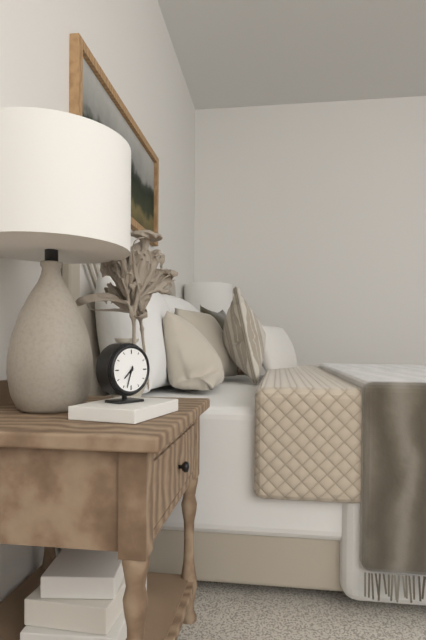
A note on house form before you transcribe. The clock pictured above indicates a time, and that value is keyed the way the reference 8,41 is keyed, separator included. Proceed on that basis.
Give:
7,33
